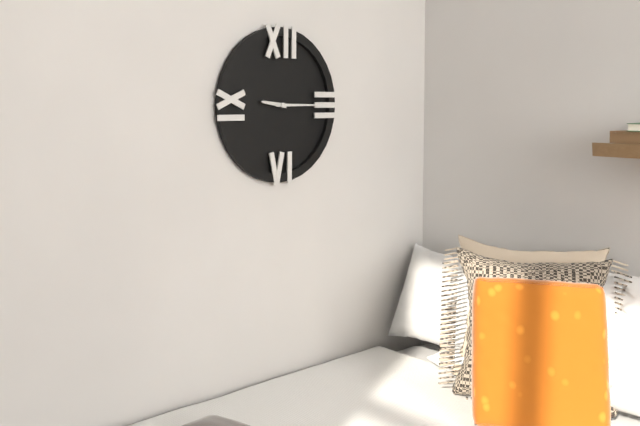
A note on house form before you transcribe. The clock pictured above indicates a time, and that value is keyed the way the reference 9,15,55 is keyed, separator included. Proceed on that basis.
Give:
9,15,15
